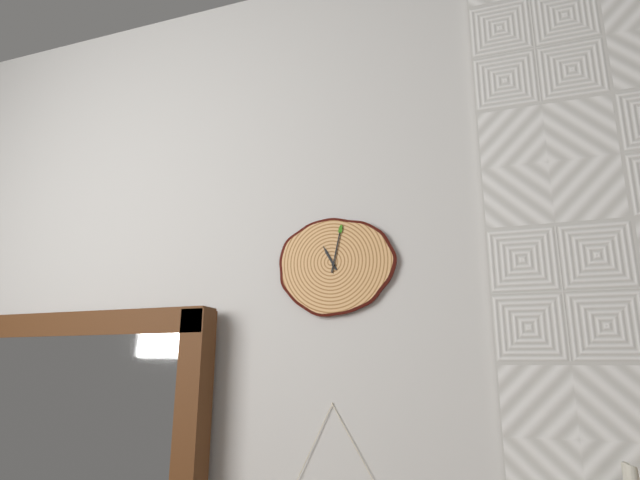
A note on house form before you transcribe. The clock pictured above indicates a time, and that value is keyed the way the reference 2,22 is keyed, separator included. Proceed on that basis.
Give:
11,02
